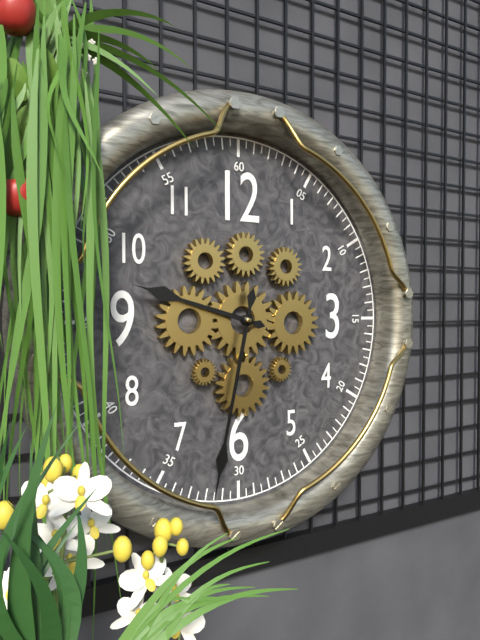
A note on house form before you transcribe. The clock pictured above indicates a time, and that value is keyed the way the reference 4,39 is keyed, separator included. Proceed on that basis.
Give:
9,32
